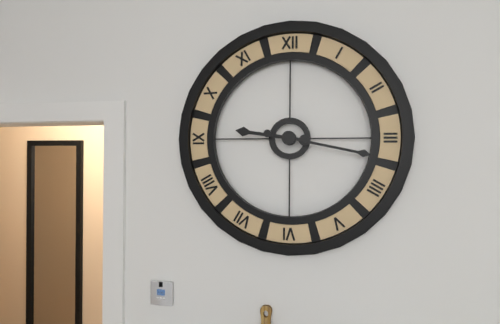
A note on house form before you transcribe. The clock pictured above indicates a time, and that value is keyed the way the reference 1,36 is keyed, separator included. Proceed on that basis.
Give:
9,17
